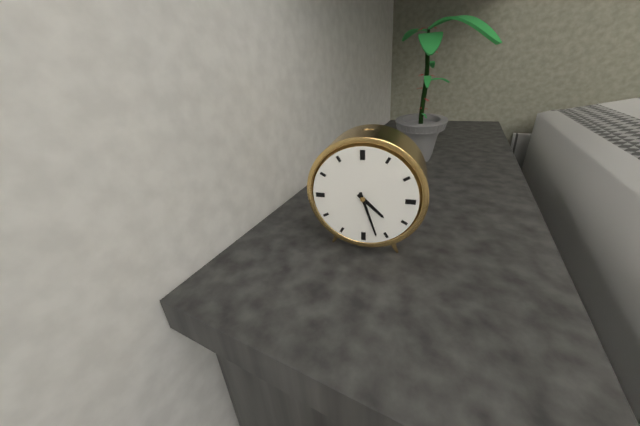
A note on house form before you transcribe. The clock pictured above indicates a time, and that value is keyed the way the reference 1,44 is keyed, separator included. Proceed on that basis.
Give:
4,27
